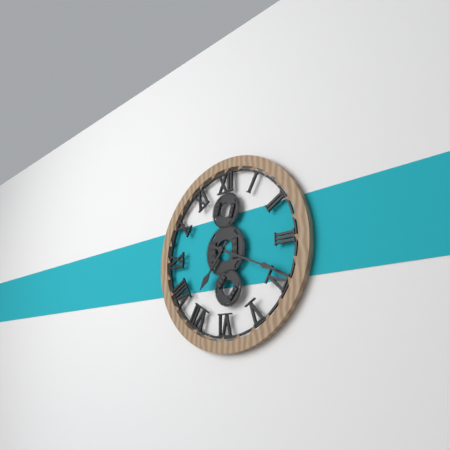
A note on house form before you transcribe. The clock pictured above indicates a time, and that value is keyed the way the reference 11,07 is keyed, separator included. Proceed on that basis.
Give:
7,19
